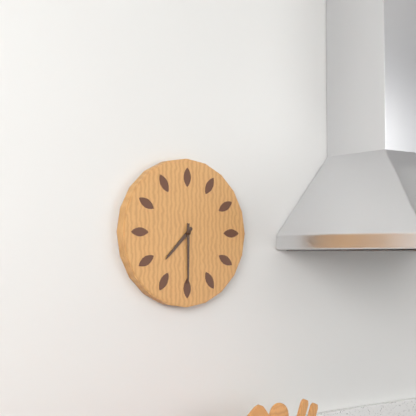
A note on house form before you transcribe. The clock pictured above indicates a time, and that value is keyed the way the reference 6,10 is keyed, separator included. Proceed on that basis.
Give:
7,30
